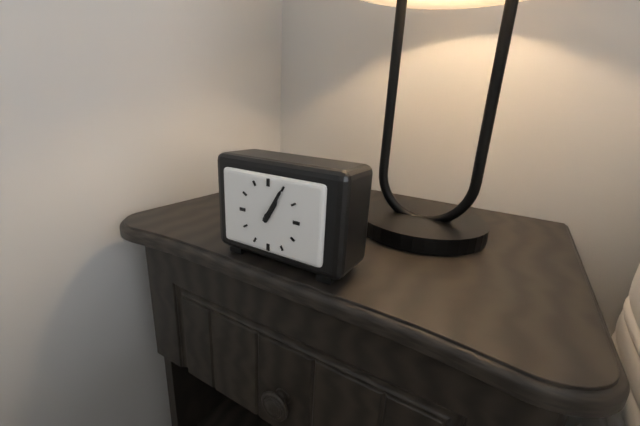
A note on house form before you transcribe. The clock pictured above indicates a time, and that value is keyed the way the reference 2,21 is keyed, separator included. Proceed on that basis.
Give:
1,05
